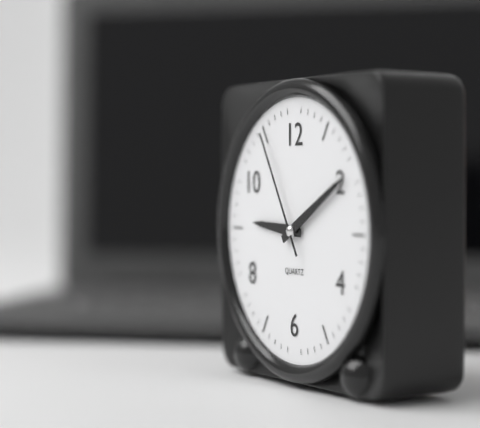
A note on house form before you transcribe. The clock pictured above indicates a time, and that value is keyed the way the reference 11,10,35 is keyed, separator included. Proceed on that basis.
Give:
9,10,55
